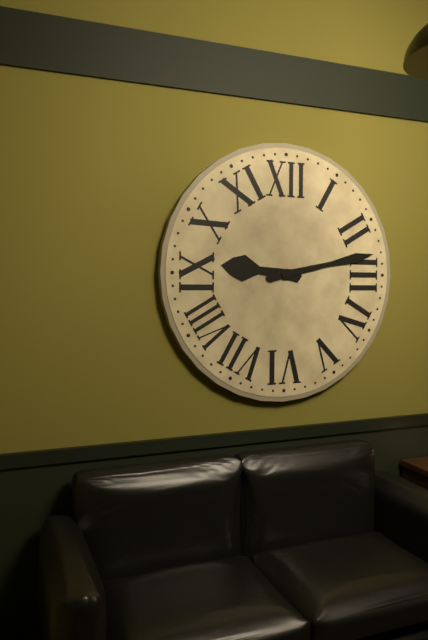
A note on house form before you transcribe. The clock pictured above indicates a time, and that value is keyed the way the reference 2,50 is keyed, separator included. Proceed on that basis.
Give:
9,13
